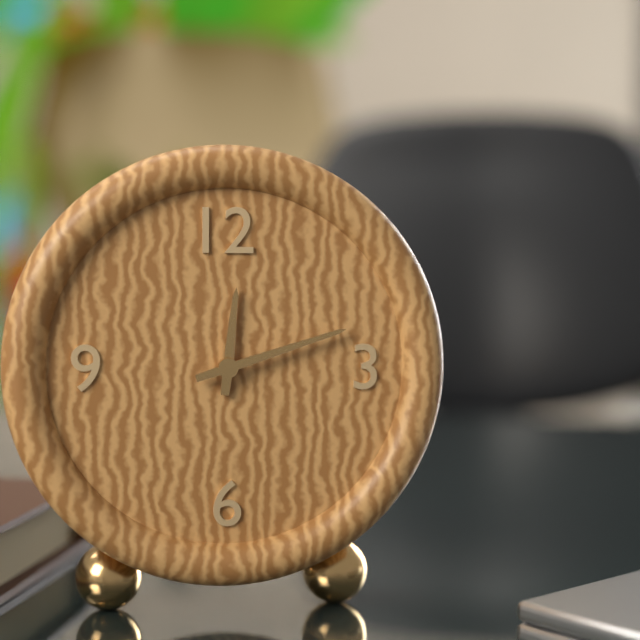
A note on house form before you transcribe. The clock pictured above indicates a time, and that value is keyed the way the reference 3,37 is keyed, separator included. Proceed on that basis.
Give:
12,12
